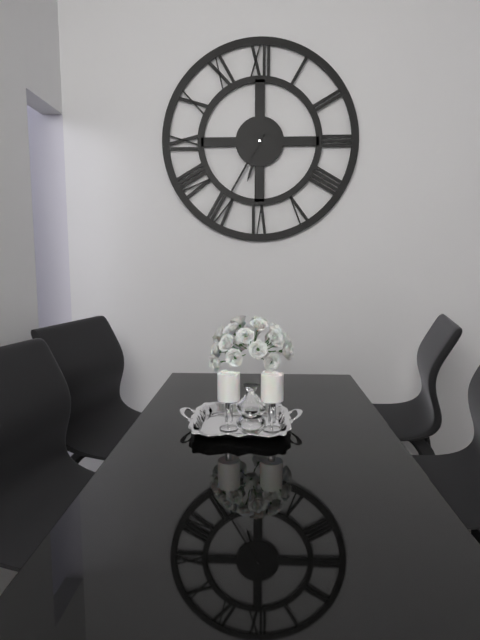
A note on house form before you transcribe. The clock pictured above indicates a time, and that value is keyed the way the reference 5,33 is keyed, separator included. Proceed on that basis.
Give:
6,35
